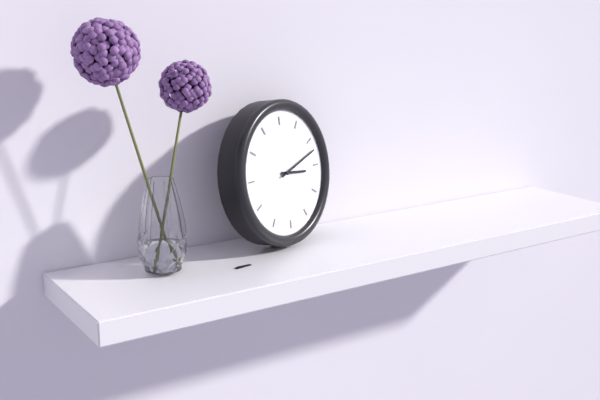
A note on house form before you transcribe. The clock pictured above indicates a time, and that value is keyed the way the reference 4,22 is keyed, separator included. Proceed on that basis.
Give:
3,12
